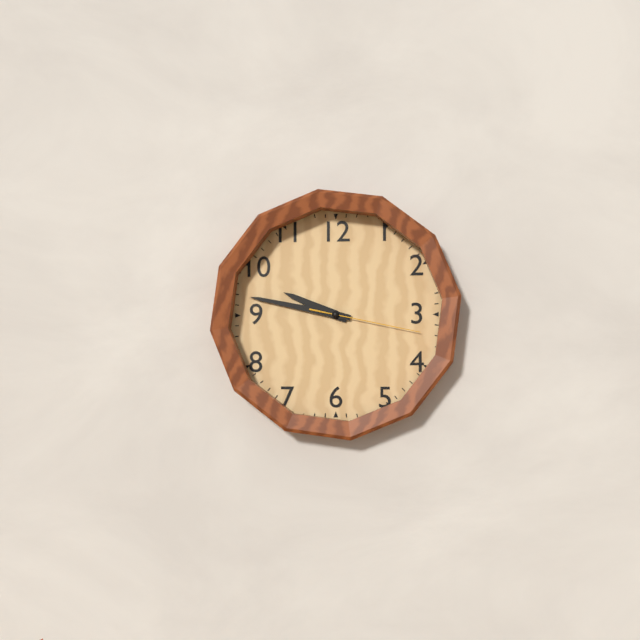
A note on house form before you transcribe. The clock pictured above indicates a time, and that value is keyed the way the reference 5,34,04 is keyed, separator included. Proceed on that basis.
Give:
9,47,17
